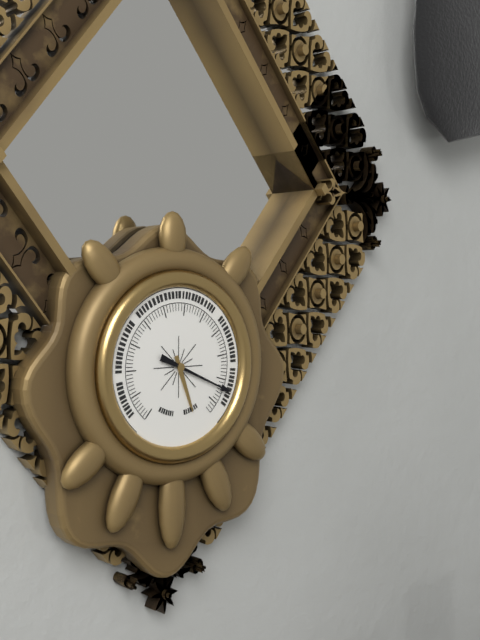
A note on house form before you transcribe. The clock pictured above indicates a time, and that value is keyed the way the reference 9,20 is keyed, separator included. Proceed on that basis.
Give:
5,19
